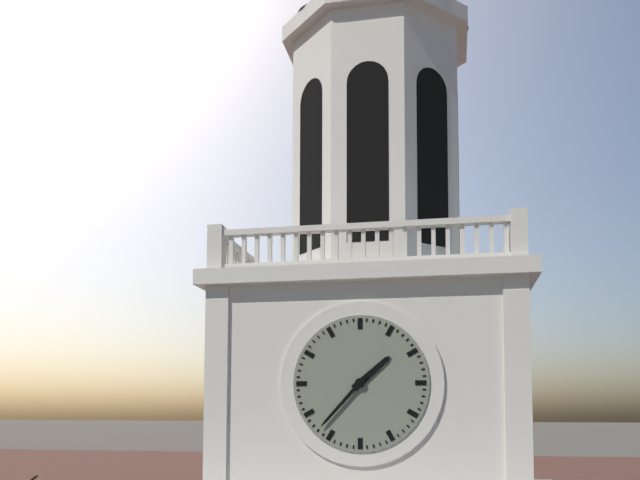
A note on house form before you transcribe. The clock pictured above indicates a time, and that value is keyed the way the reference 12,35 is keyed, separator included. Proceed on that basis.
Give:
1,37
